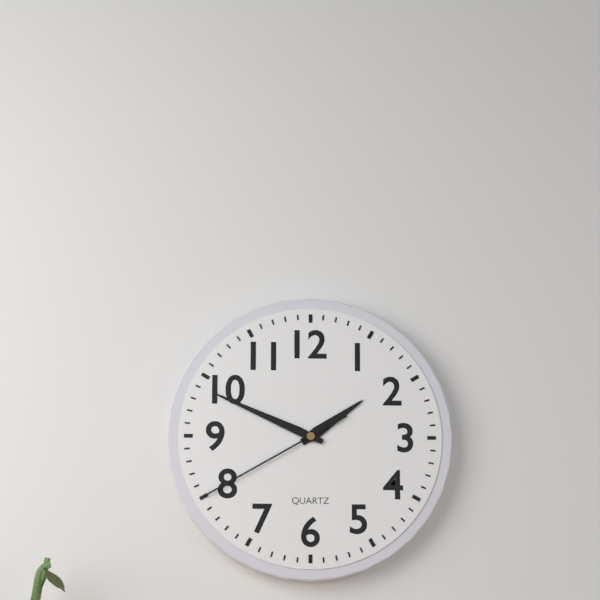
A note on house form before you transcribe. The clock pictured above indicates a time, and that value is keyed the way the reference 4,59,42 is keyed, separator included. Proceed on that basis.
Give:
1,49,40
